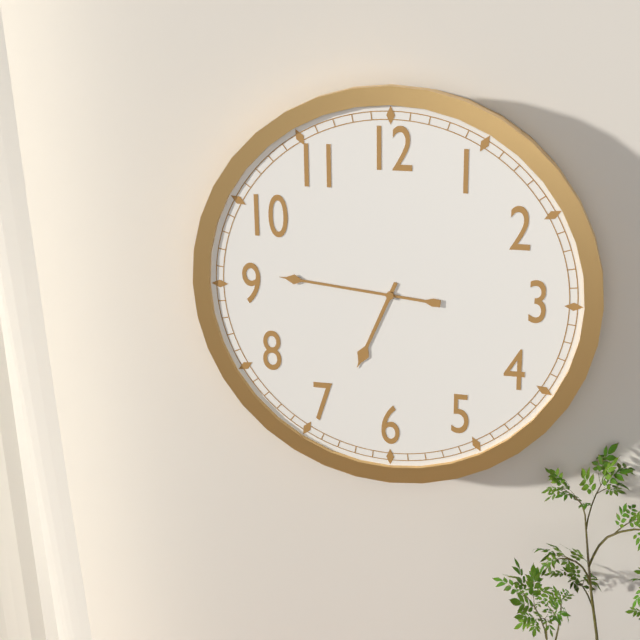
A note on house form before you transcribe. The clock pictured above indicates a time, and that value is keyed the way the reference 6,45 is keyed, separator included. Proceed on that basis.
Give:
6,46
